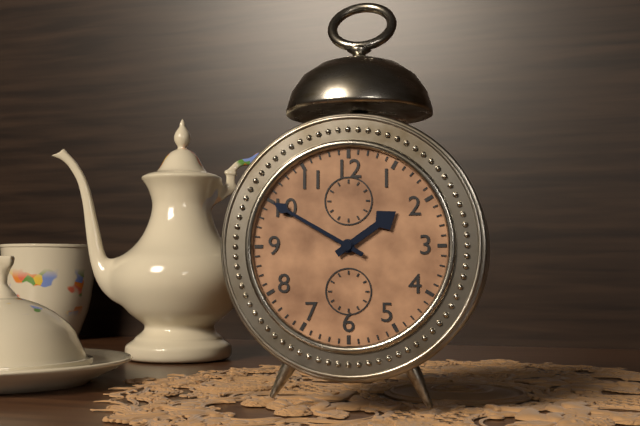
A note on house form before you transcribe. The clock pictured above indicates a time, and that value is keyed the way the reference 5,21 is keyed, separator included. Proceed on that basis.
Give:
1,50
